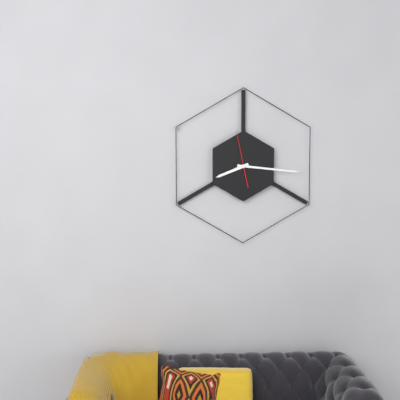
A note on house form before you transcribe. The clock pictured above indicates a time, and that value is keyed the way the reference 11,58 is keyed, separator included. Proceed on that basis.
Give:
8,16
